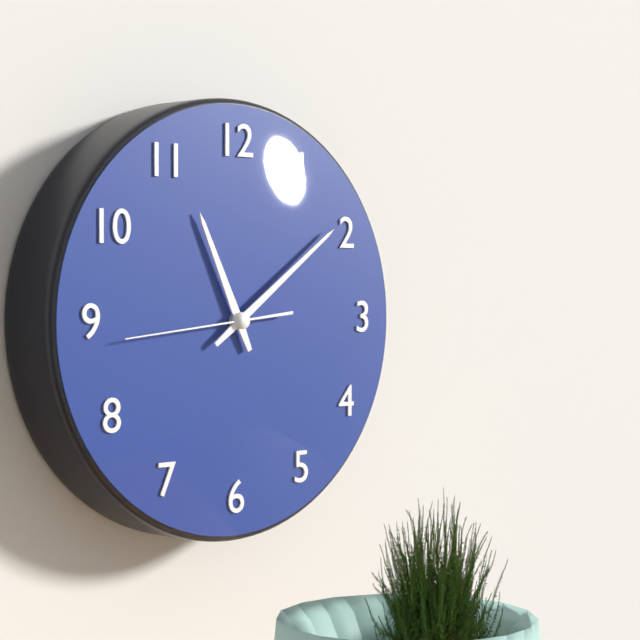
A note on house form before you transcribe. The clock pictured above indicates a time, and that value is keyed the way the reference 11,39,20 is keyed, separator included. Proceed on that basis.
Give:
11,09,44
